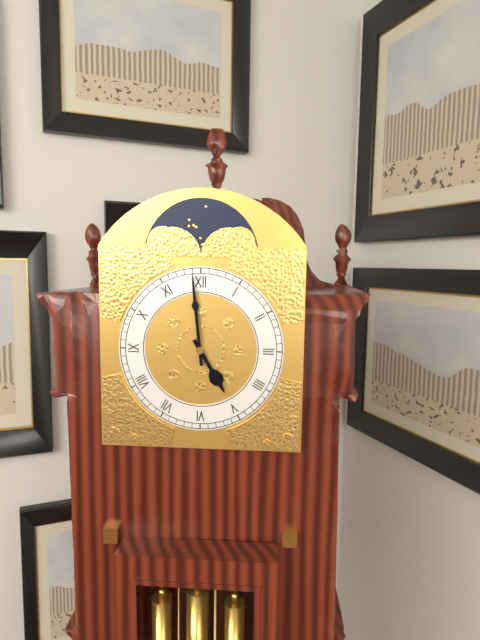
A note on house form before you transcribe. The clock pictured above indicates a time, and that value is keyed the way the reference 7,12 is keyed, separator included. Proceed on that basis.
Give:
4,59
